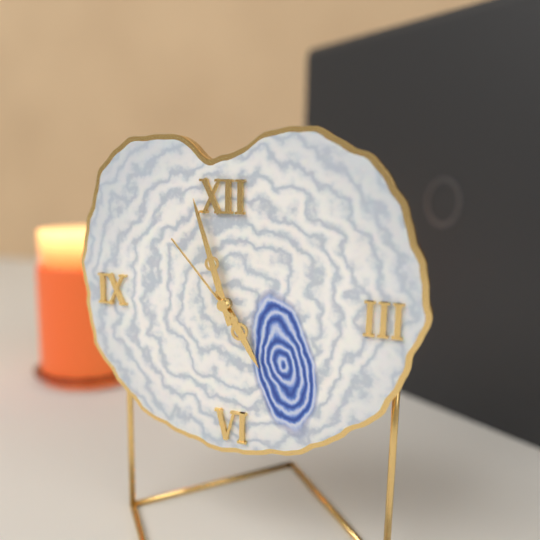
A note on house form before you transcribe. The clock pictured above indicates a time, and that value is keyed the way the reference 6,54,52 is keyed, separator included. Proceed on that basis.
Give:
4,57,53
